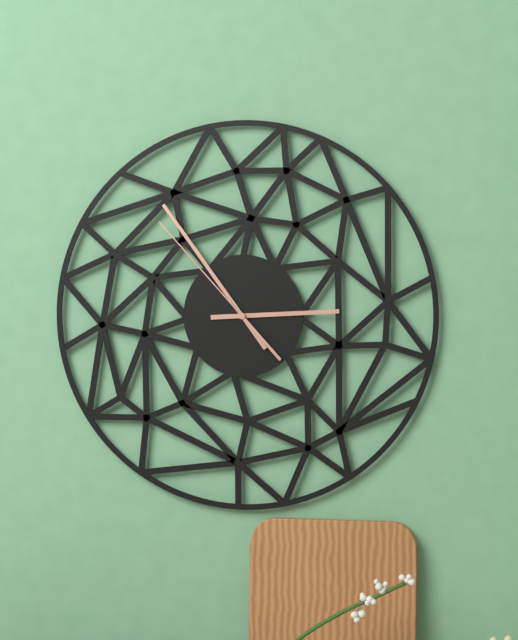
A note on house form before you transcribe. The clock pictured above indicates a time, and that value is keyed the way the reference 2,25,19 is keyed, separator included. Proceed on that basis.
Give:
2,54,53
